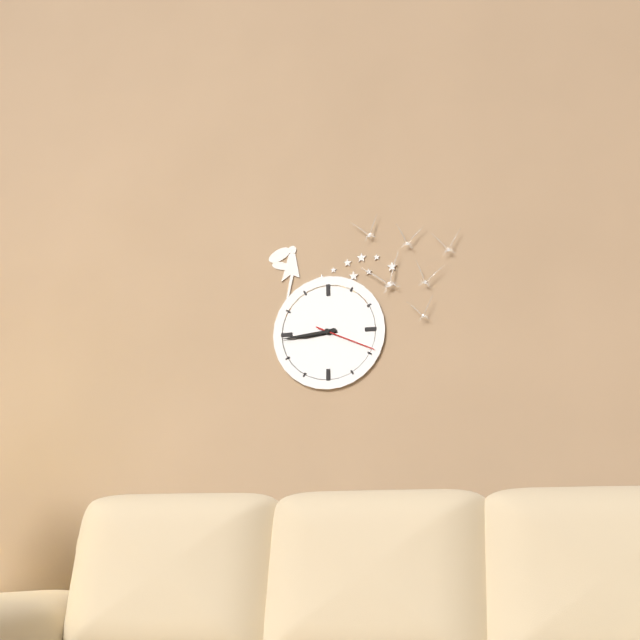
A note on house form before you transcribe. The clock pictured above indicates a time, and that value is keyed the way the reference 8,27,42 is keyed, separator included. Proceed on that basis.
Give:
8,44,19
